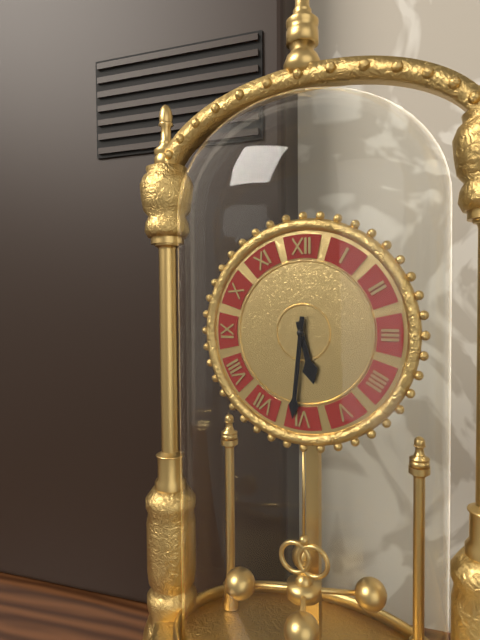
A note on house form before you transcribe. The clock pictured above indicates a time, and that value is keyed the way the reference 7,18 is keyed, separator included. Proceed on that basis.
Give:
5,31
